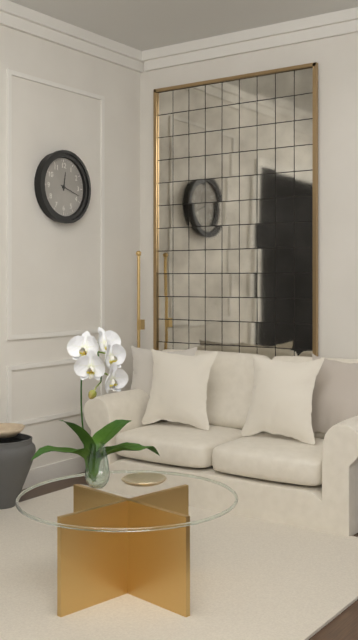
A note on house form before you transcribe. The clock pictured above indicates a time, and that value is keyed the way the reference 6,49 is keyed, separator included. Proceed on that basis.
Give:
12,18
